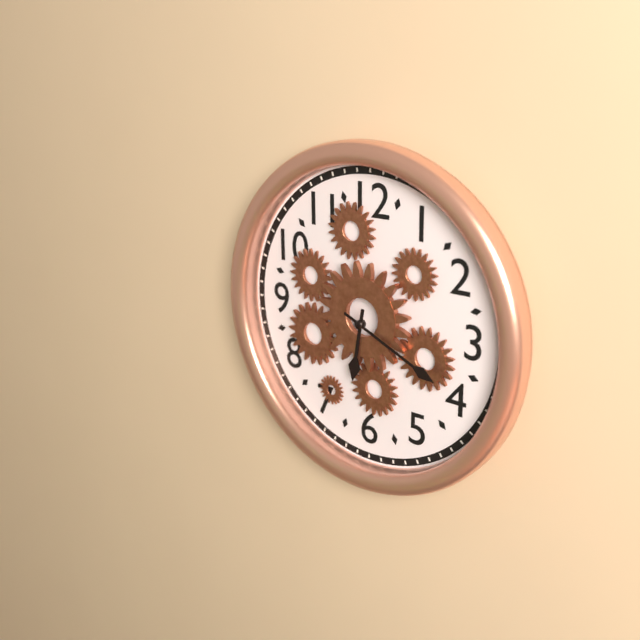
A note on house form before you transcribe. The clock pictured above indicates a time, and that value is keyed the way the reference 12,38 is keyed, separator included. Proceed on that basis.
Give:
6,19
